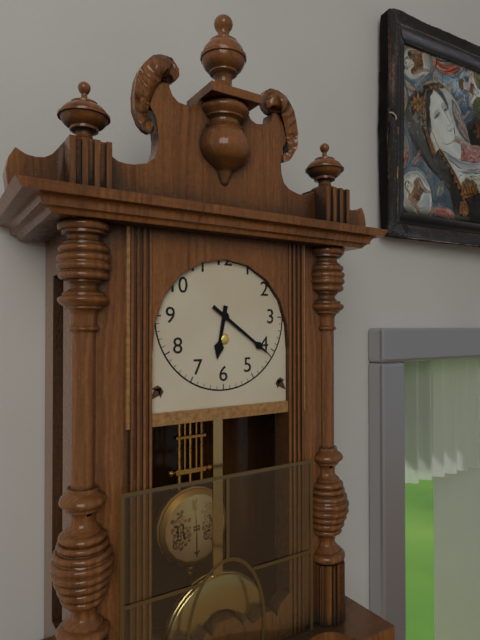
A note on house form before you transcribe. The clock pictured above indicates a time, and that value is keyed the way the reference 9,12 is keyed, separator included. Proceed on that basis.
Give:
6,21
